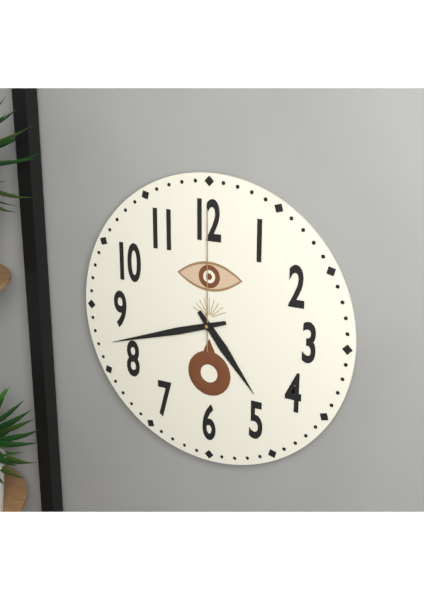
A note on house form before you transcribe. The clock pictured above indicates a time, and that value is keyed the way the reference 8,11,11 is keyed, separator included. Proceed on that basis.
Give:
4,42,00
